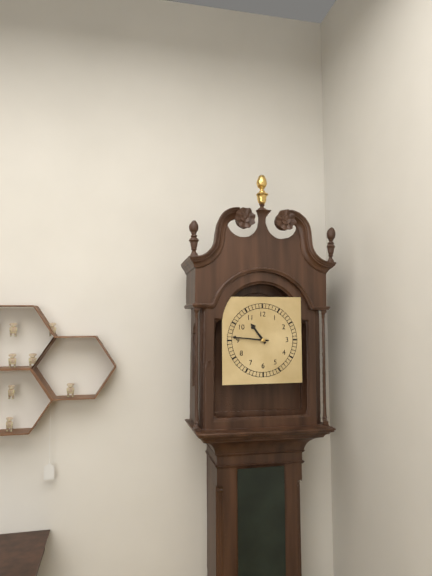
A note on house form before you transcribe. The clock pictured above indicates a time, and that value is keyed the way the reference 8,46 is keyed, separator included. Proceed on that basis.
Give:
10,46
